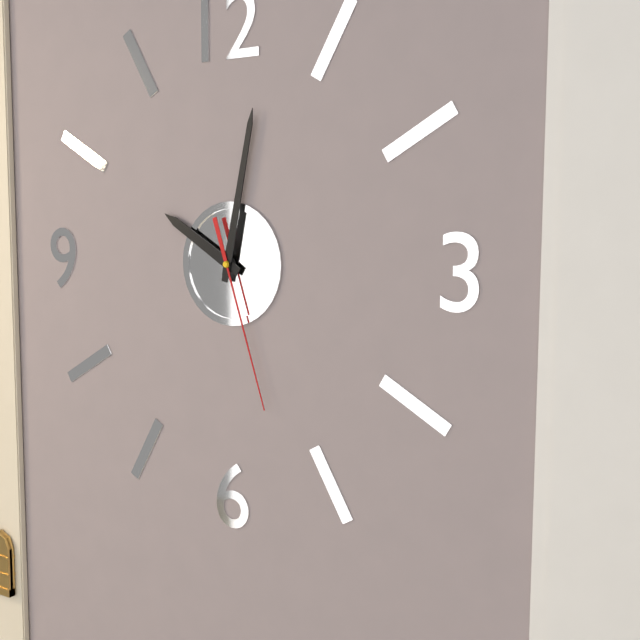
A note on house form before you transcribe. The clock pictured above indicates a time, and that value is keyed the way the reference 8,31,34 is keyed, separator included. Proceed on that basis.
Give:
10,02,27
